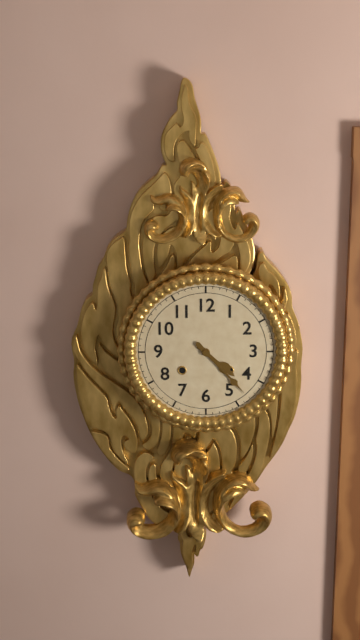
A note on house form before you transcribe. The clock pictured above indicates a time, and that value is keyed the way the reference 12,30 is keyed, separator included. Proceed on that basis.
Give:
4,23
